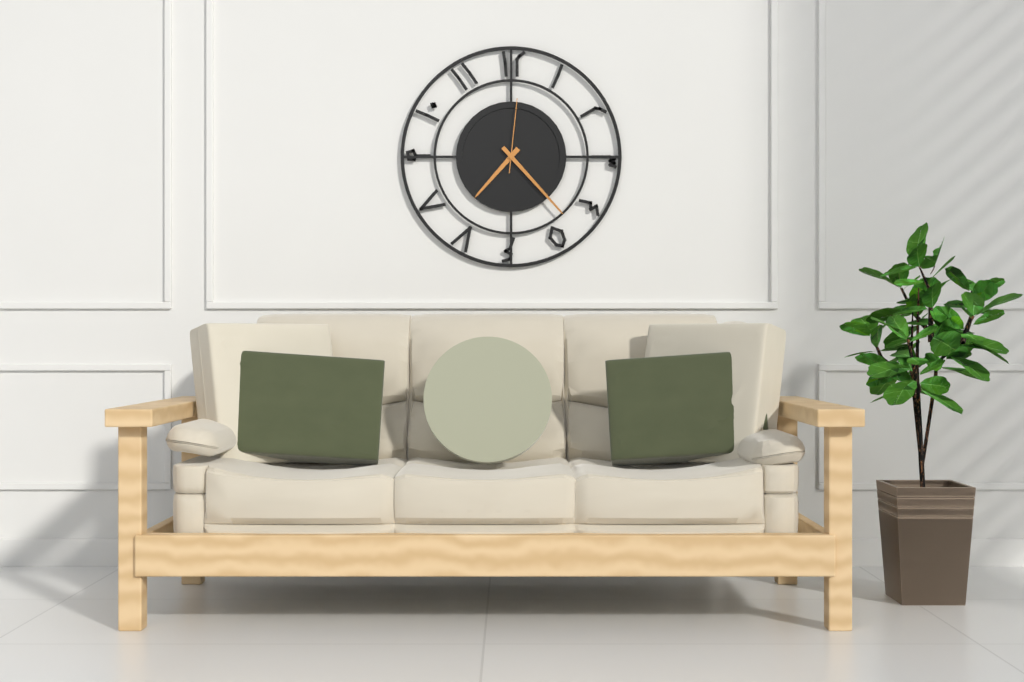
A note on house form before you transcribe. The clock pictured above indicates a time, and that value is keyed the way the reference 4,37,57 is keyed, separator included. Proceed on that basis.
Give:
7,23,01
